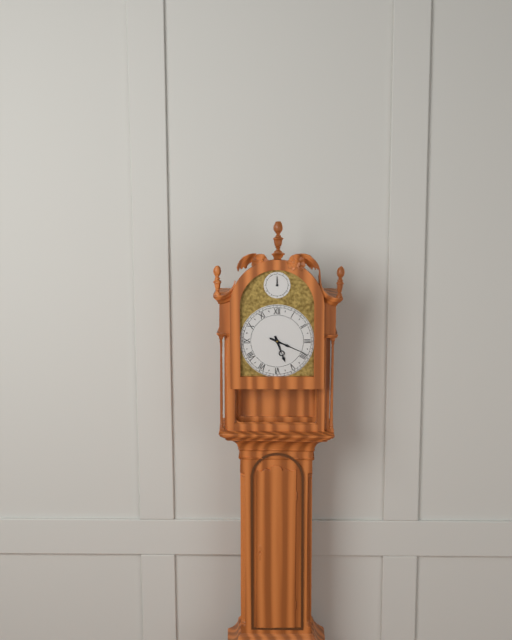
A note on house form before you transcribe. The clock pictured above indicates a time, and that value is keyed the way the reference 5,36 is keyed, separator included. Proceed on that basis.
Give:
5,19
